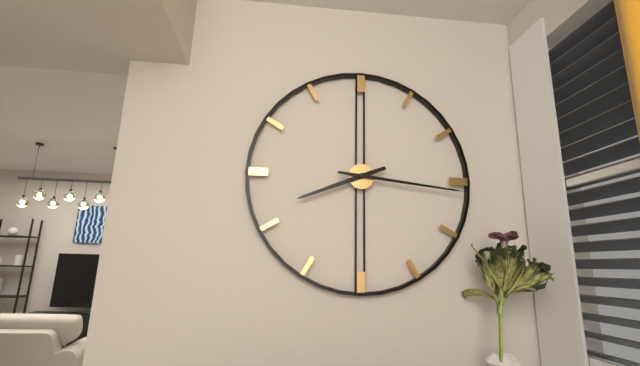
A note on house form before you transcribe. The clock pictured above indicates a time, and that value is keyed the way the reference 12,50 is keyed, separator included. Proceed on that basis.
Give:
8,16
